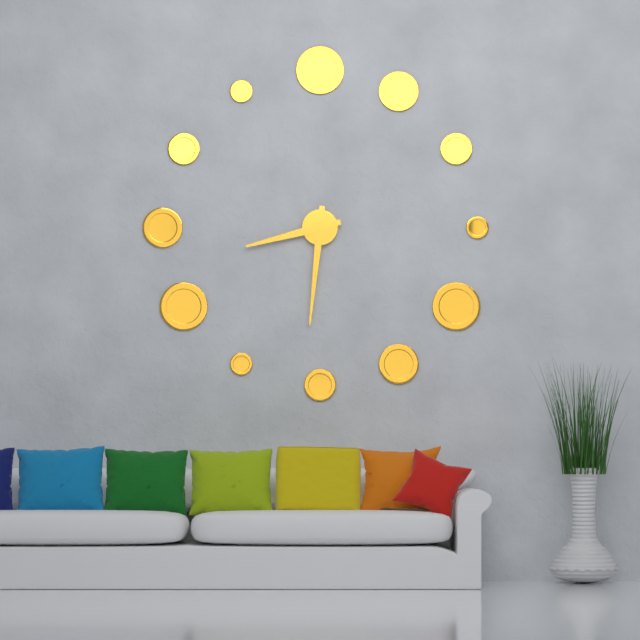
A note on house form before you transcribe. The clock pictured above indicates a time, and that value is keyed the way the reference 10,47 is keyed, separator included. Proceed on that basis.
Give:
8,31
